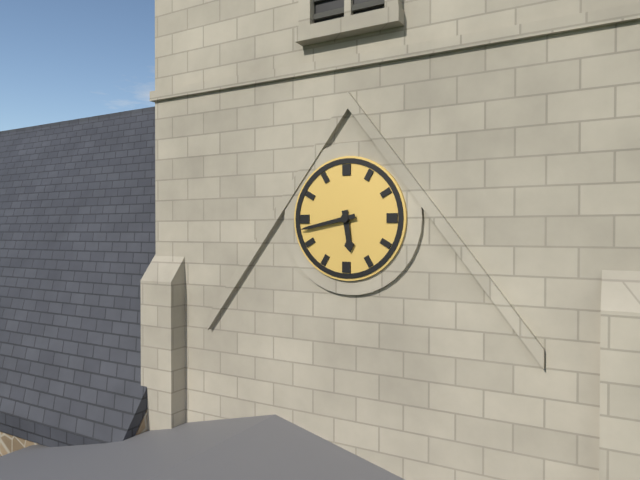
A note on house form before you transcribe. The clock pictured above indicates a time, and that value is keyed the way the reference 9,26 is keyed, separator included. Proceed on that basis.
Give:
5,43
